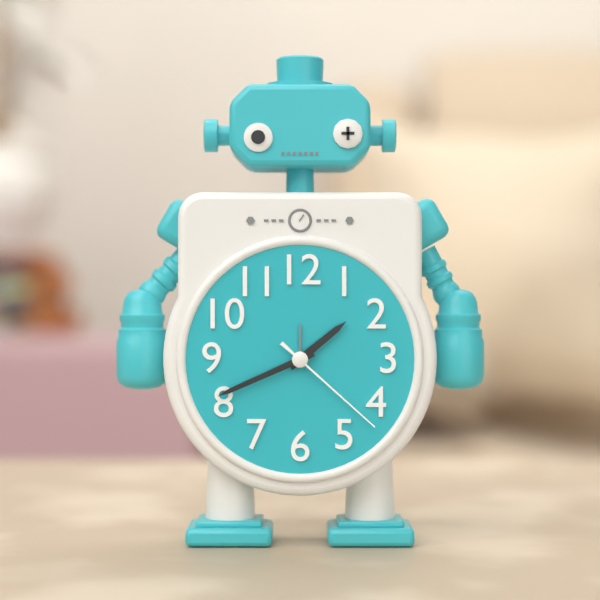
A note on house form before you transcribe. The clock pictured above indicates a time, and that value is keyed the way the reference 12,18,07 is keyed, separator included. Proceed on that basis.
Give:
1,41,22
